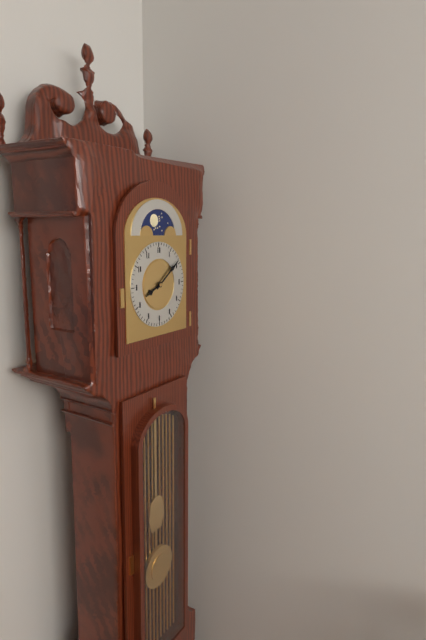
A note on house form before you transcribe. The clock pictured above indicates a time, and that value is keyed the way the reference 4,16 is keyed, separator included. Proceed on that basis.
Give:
8,09
